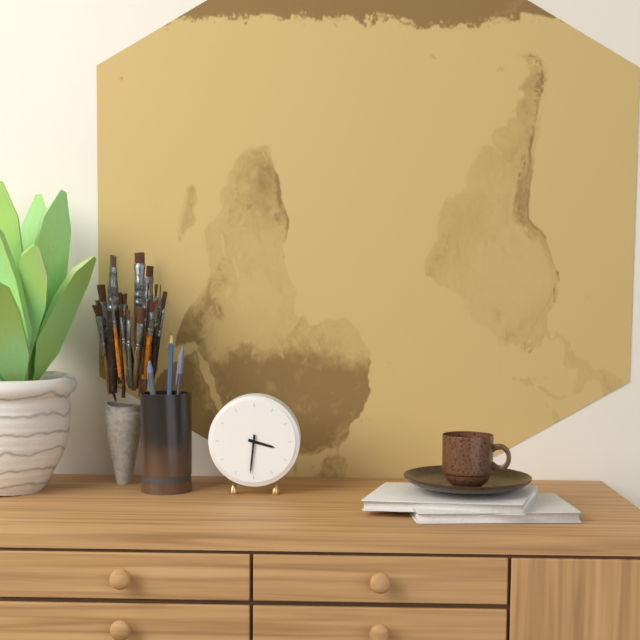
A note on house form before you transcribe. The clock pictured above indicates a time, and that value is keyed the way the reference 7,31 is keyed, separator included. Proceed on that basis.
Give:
3,31
